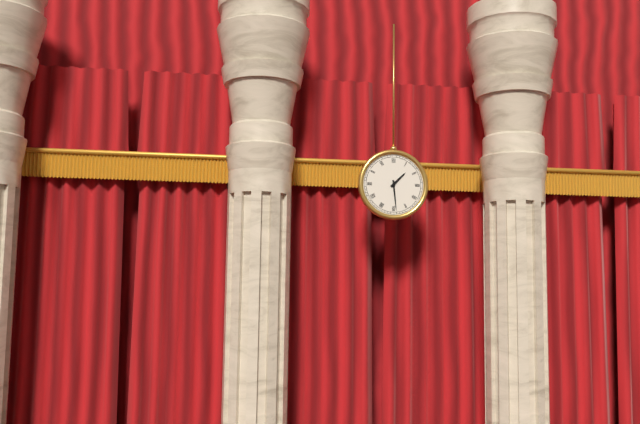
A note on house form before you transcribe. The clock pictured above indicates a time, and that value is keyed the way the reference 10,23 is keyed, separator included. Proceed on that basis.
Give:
1,29
